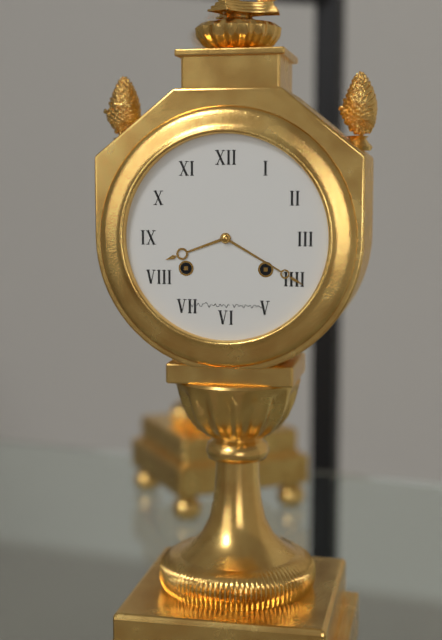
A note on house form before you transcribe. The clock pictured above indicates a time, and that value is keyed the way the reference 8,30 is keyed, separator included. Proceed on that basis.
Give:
8,20
